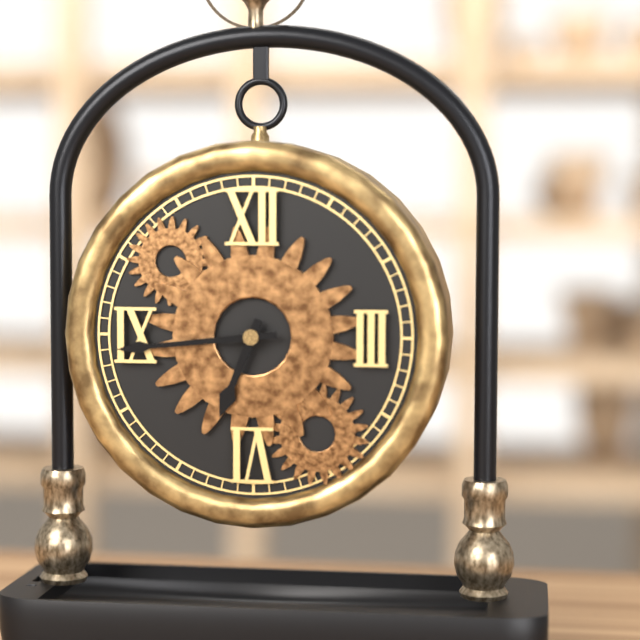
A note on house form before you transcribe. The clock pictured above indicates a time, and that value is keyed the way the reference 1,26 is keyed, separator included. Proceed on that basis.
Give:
6,44
